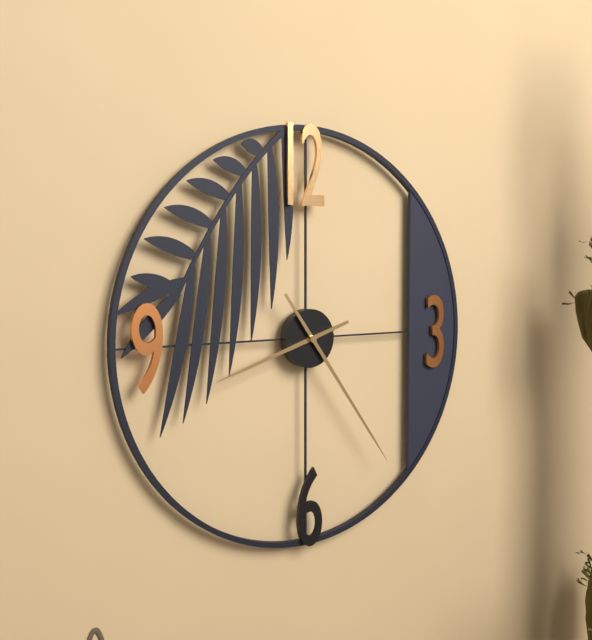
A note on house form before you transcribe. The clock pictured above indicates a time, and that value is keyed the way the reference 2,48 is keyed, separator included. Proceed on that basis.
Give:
8,24
